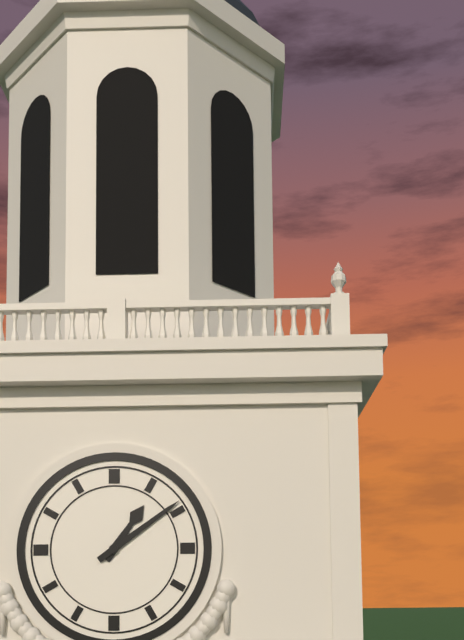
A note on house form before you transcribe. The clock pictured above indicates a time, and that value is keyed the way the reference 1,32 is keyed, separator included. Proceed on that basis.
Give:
1,09
